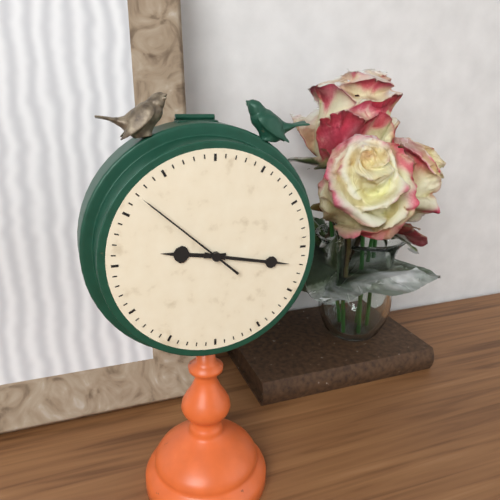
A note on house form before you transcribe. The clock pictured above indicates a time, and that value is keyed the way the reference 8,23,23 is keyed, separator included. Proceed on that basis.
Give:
9,17,52
